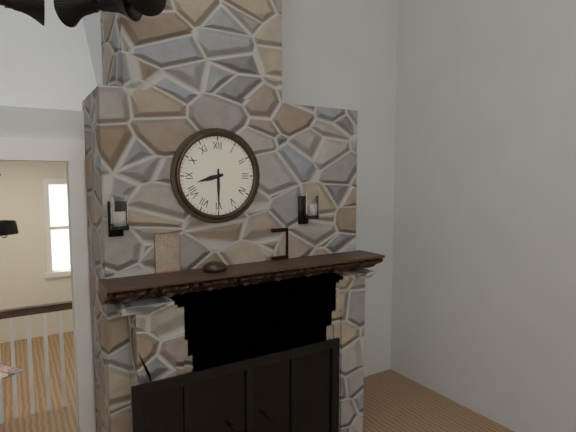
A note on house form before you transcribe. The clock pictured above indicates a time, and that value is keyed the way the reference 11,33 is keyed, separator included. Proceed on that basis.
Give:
8,30
